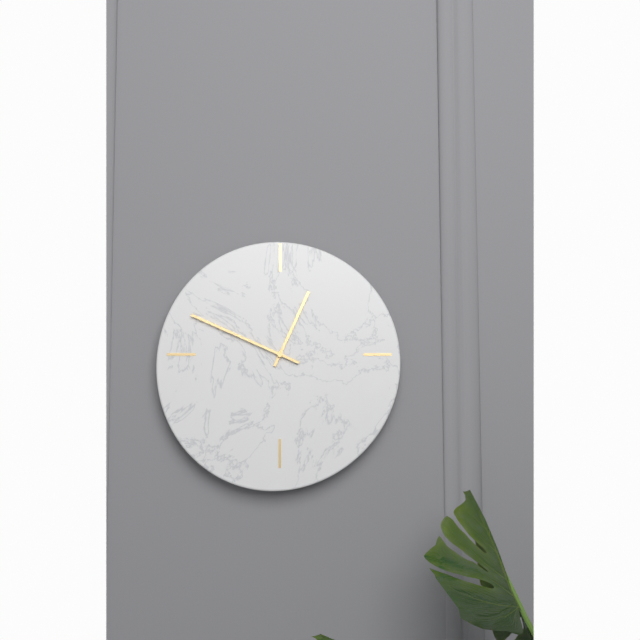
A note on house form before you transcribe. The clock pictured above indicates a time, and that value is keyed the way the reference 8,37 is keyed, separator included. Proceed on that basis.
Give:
12,49
